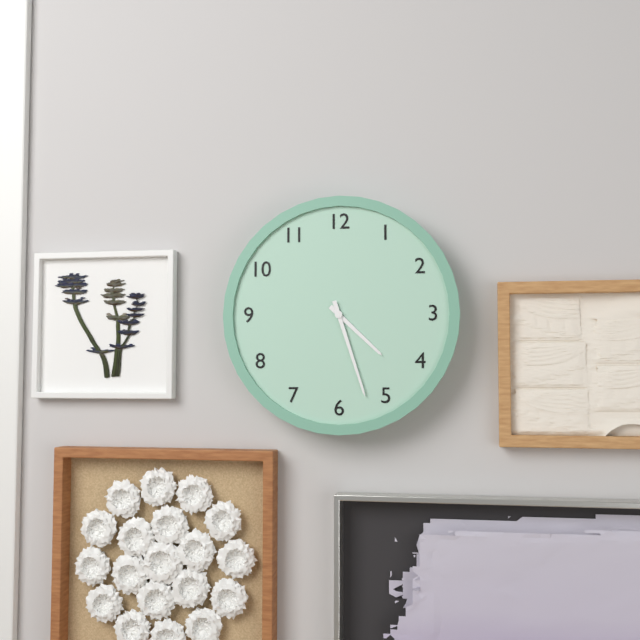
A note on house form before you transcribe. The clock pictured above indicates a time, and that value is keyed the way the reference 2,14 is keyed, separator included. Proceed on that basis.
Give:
4,27
